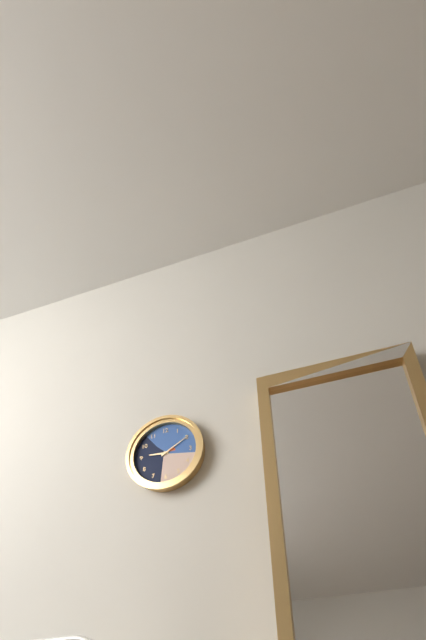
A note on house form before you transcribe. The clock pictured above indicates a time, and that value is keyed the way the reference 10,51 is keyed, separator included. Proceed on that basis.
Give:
9,10
